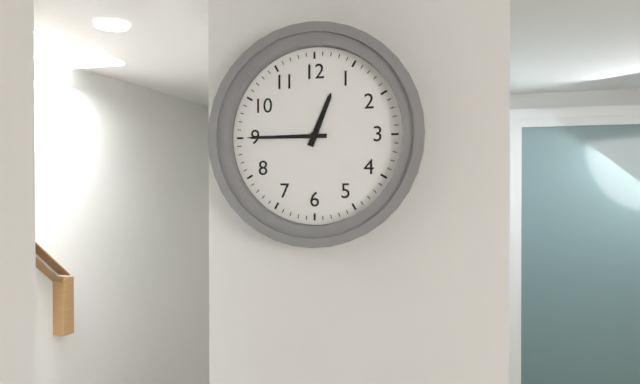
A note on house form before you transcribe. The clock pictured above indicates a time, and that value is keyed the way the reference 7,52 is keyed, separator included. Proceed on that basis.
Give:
12,45
